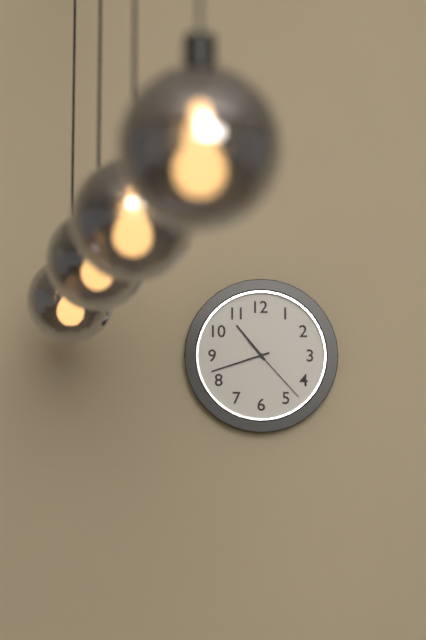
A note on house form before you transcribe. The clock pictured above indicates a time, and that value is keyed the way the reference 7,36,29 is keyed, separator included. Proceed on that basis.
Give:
10,42,23
